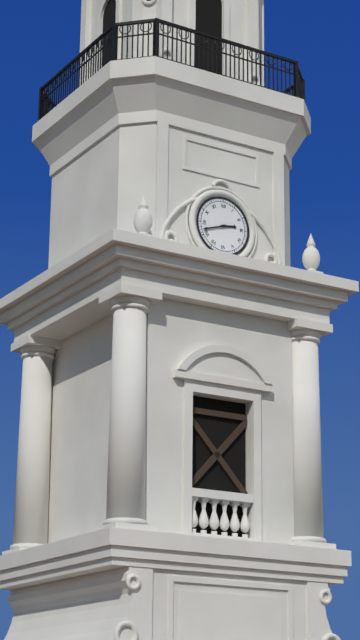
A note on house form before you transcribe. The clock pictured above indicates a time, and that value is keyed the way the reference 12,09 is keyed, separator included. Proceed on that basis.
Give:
2,42
